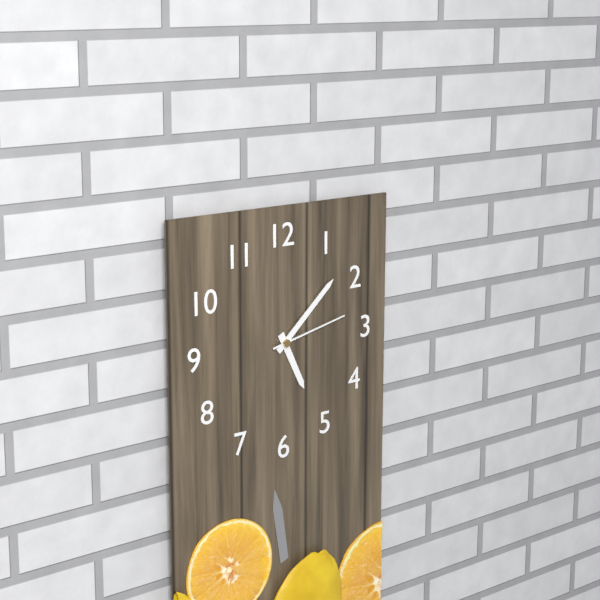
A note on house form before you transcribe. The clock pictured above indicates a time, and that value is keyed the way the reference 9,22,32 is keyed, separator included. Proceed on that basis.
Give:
5,08,13
